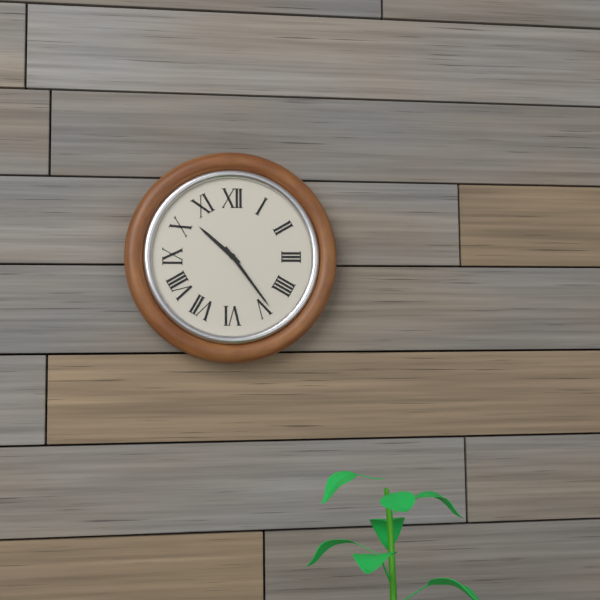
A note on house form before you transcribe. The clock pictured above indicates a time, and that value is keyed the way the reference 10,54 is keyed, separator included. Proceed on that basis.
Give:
10,24
